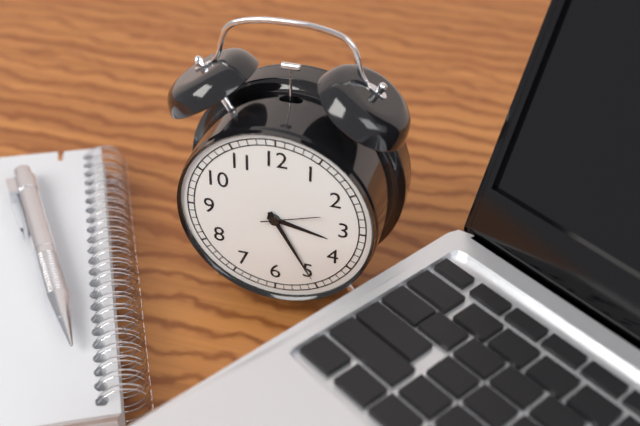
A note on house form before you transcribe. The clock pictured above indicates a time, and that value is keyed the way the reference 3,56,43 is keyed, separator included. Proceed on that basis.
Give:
3,25,12
